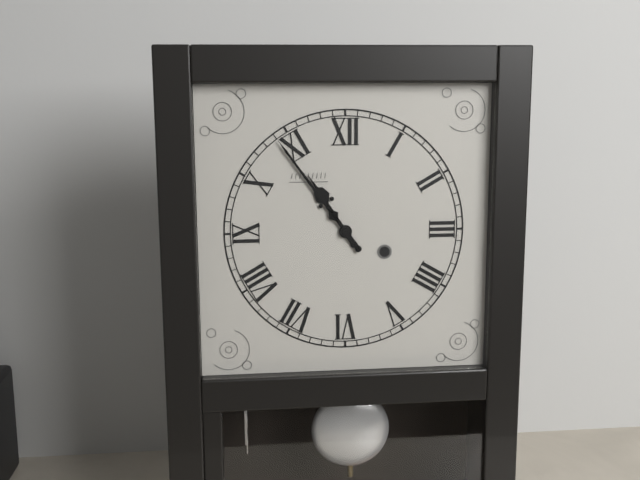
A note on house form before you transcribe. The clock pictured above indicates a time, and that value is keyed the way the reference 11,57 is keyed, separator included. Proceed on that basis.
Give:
10,54
